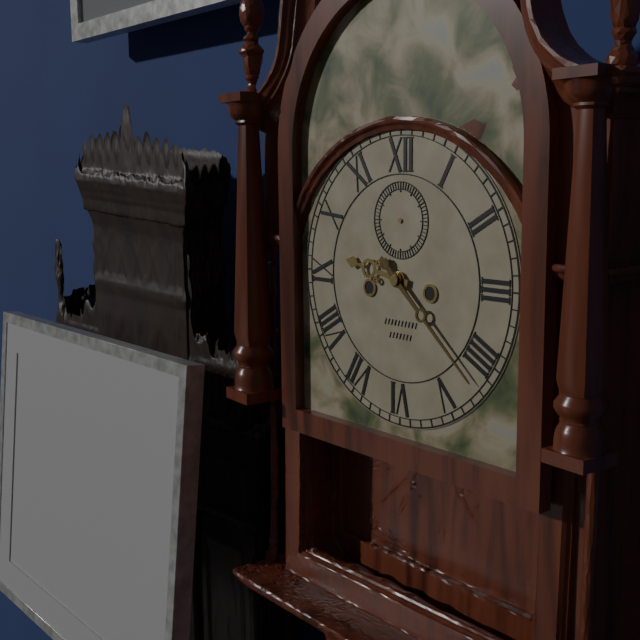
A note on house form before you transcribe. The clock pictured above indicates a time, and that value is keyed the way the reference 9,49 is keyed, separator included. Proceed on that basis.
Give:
9,22
